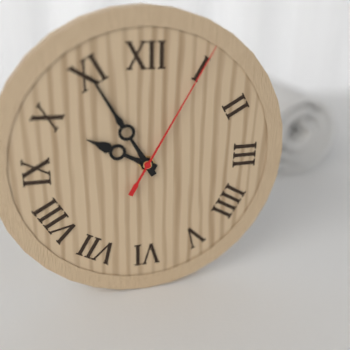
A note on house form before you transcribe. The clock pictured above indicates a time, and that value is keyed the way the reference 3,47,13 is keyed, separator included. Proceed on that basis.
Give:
9,55,05
